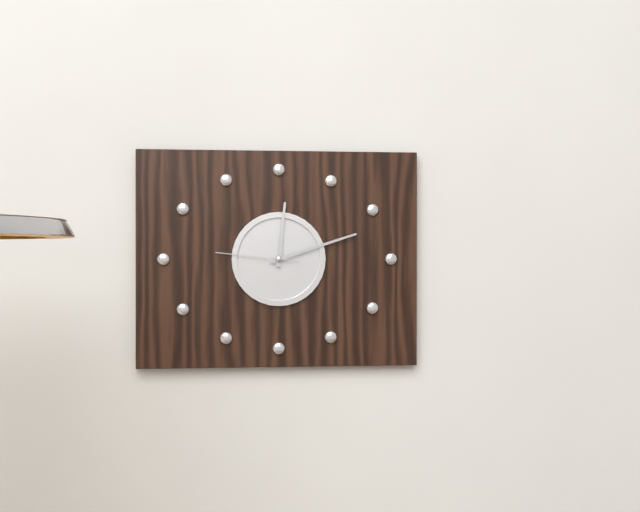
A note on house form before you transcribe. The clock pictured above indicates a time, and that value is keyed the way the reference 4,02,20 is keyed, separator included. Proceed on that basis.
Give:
12,12,46
